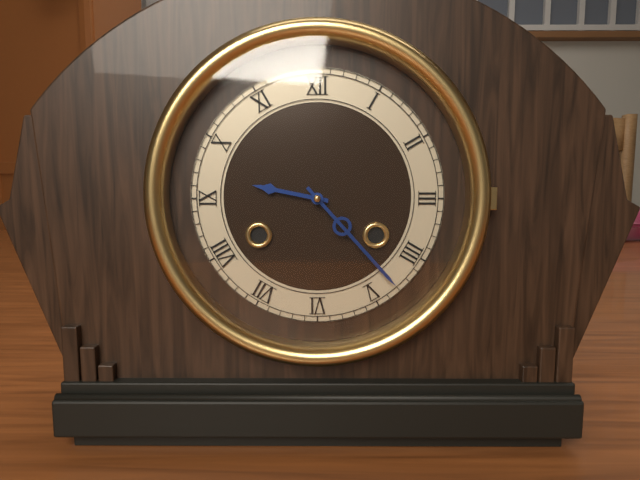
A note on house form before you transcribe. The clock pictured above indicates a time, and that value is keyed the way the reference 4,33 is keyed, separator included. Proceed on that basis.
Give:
9,23
